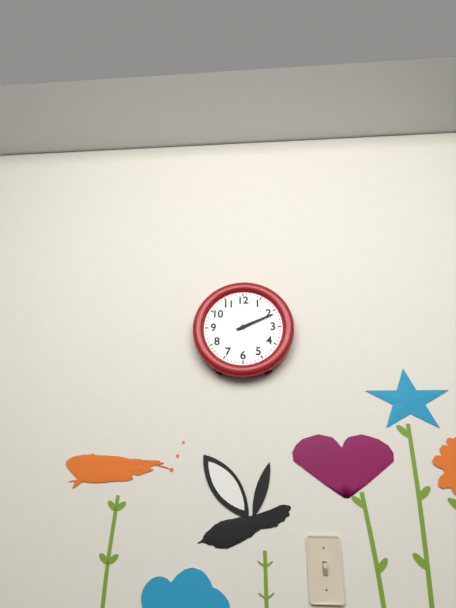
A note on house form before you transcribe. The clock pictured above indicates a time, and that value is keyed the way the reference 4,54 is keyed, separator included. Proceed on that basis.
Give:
2,11
